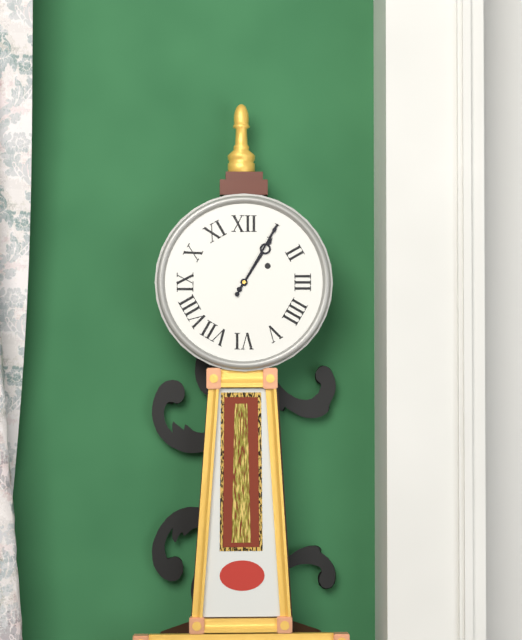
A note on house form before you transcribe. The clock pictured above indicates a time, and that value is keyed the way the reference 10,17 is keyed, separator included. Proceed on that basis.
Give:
1,05
